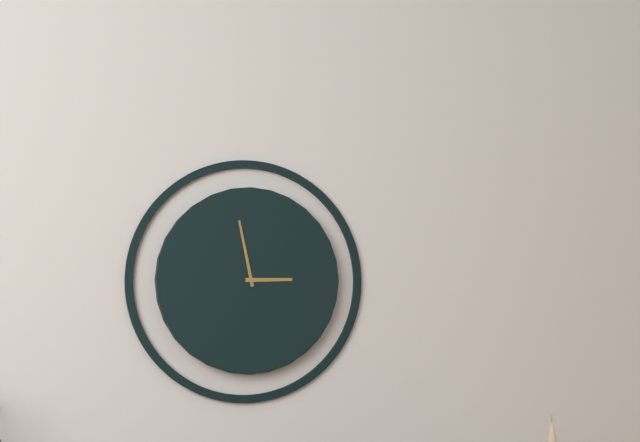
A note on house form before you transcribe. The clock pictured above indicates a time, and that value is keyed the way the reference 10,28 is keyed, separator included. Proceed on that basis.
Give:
2,58
